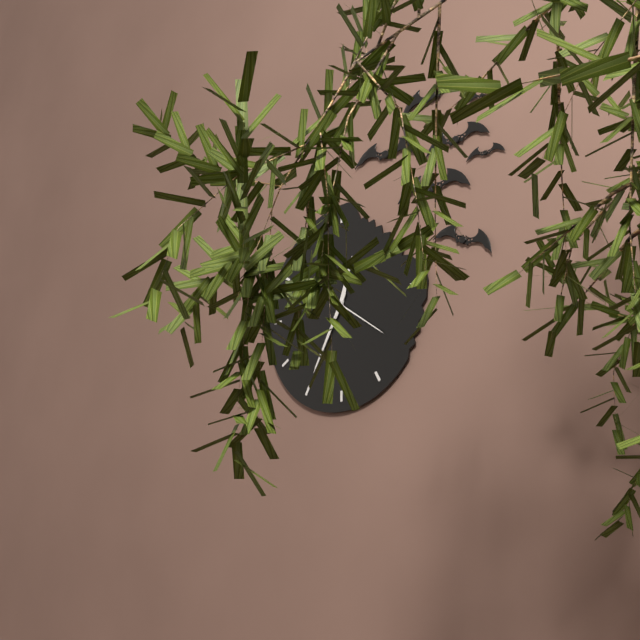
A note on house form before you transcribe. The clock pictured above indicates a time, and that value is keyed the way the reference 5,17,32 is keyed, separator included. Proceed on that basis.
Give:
12,35,21
